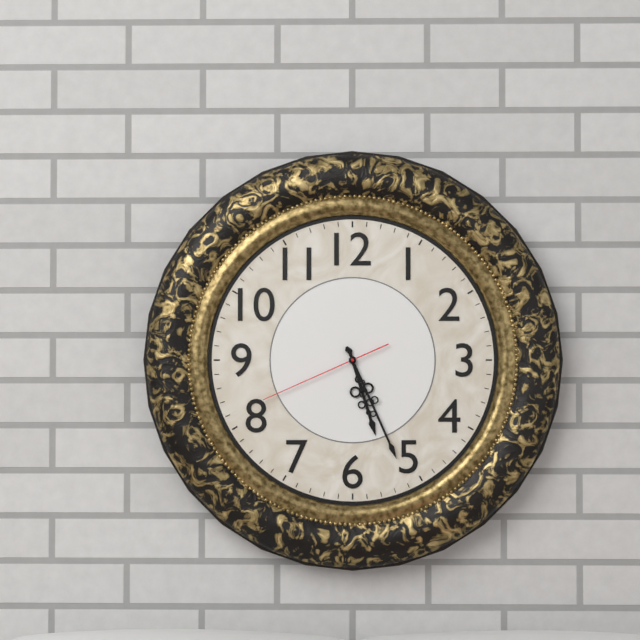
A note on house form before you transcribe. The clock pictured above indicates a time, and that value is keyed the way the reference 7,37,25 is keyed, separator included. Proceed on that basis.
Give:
5,26,41
